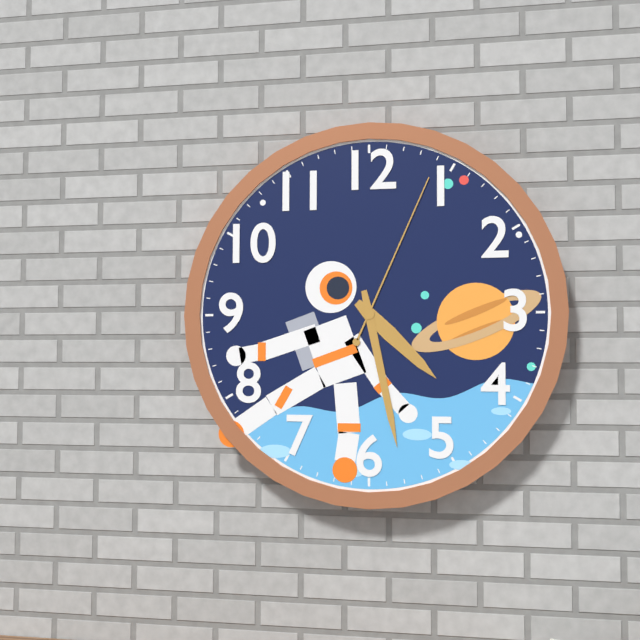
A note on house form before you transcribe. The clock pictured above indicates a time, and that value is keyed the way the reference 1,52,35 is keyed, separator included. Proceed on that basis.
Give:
4,28,04
